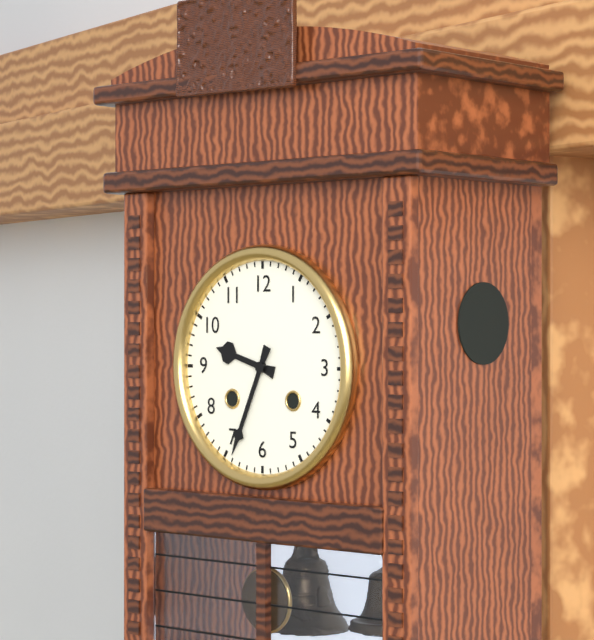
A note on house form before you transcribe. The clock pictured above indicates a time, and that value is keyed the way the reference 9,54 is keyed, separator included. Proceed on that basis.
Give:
9,34
